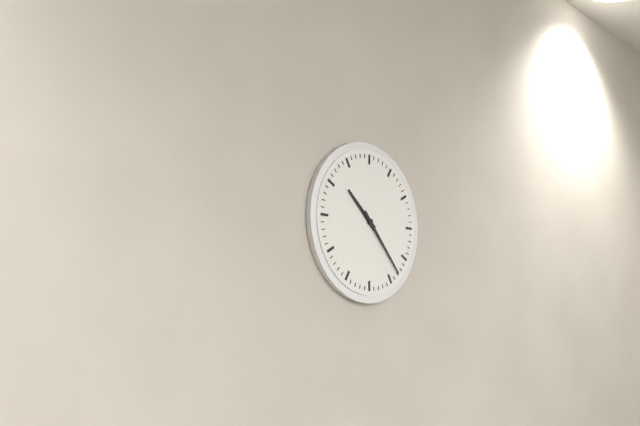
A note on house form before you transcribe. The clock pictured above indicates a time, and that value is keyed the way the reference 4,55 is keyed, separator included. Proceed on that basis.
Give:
10,23
